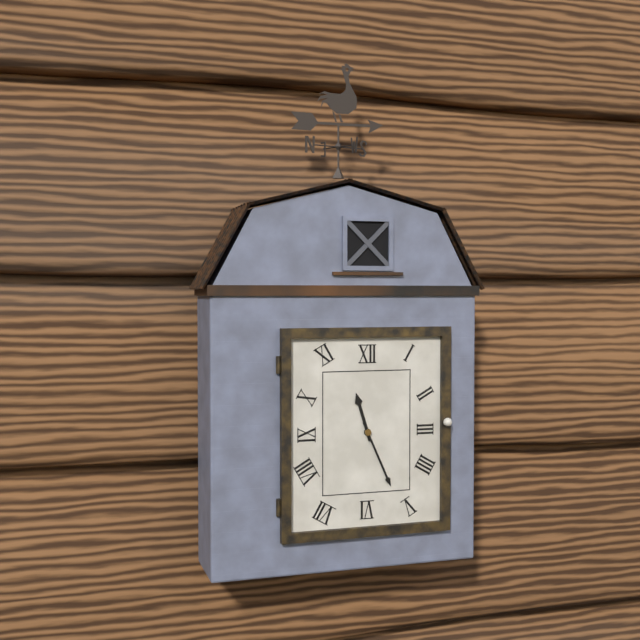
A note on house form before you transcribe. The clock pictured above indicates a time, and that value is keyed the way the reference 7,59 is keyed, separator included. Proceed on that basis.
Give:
11,26
